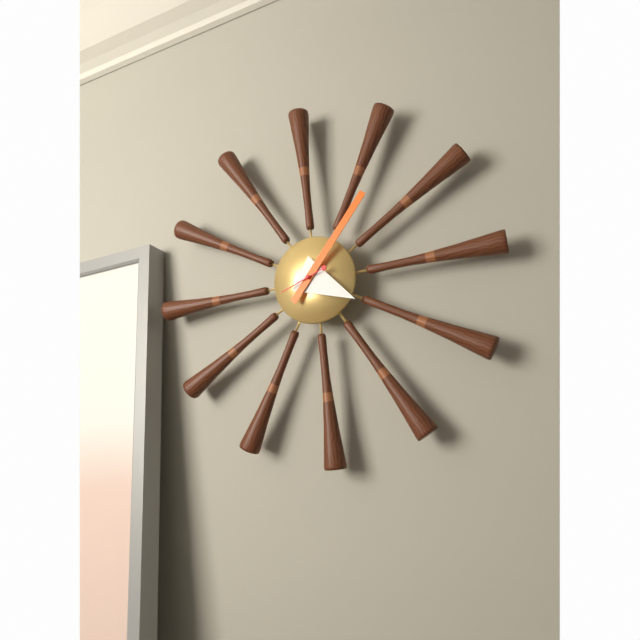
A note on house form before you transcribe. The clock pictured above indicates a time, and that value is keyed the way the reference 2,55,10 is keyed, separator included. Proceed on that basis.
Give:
4,07,42
